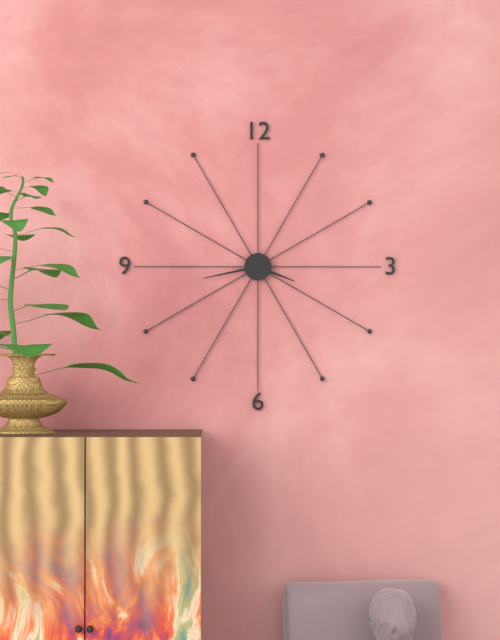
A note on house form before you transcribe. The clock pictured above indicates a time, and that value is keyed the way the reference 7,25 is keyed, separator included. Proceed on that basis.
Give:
3,43
